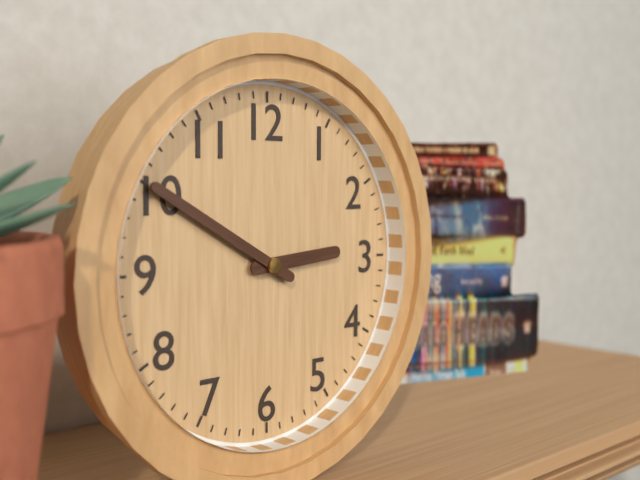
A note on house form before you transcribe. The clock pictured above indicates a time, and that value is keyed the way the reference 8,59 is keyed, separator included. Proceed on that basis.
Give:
2,50
